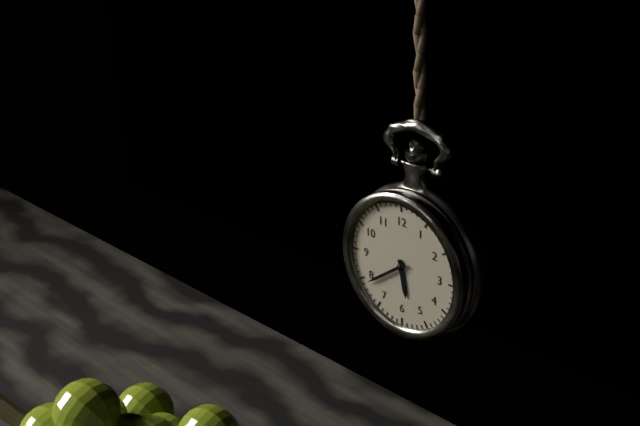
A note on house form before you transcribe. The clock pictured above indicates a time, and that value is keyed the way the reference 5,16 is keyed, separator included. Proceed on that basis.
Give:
5,39
